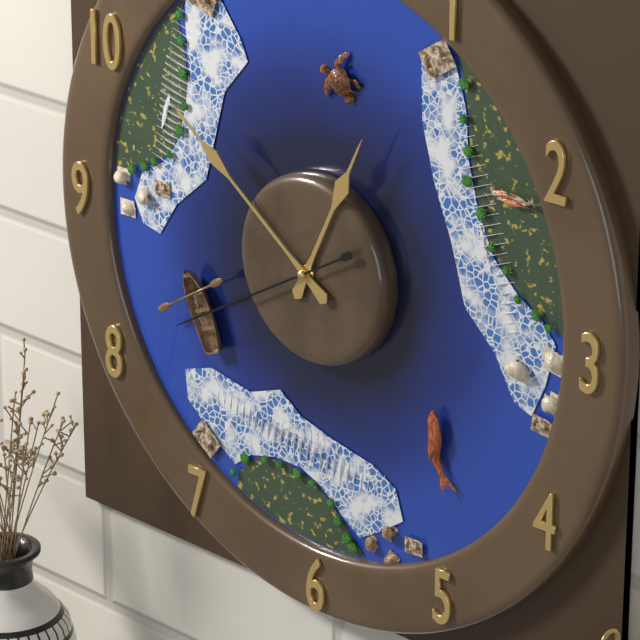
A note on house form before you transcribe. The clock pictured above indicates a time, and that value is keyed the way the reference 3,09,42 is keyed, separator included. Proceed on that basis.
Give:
12,51,40
